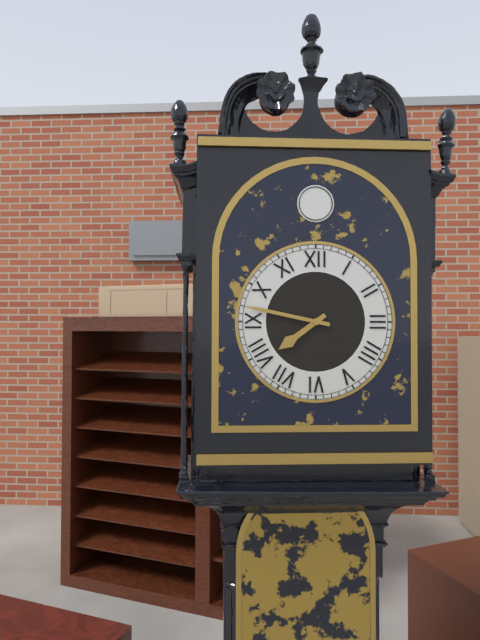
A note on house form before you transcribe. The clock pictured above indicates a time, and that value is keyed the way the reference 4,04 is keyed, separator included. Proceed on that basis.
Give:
7,47
